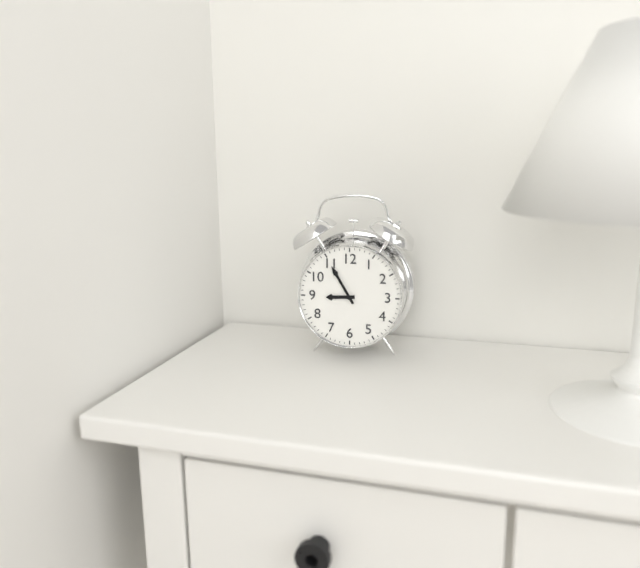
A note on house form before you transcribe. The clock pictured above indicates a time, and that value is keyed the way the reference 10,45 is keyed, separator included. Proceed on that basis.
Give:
8,55
